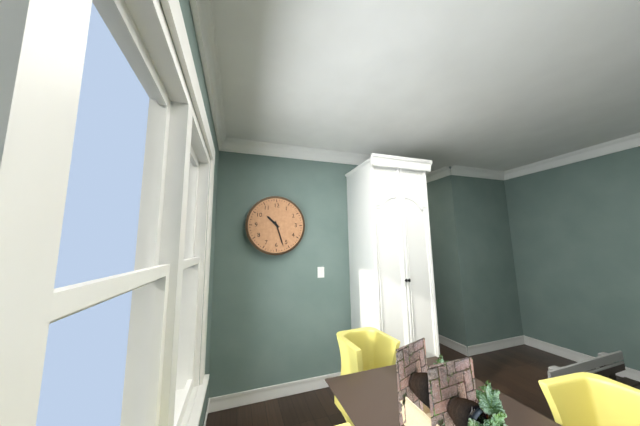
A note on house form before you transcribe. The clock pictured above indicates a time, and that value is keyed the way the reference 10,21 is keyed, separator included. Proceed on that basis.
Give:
10,27
